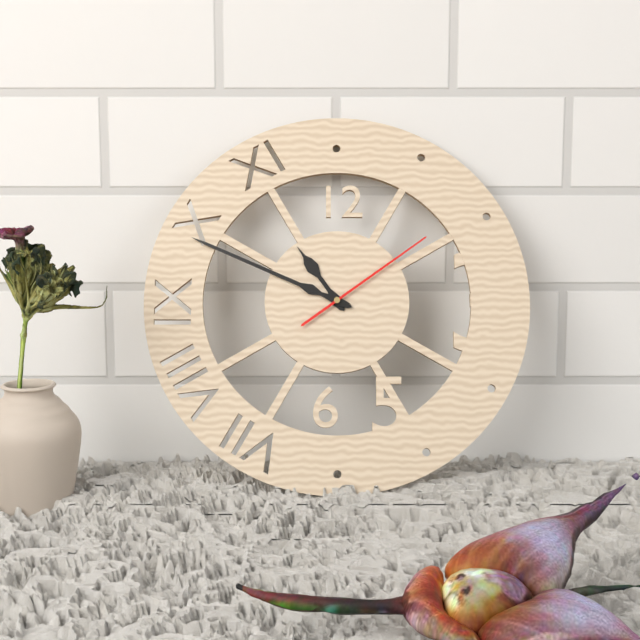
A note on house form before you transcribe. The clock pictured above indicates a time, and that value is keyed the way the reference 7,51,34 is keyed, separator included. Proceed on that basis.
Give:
10,49,09
